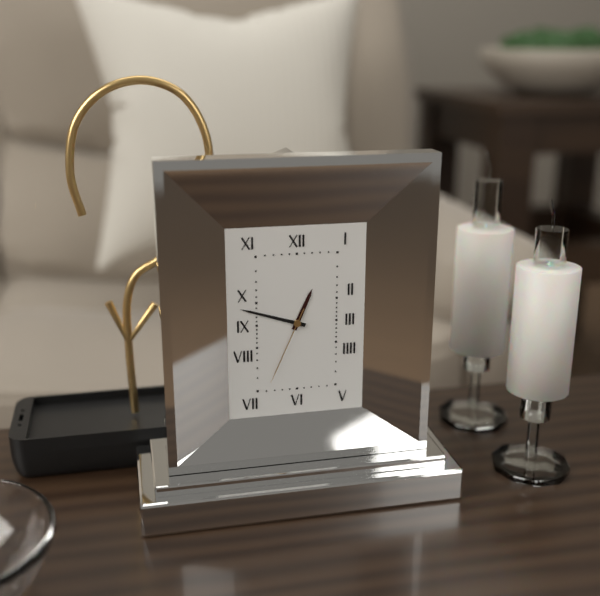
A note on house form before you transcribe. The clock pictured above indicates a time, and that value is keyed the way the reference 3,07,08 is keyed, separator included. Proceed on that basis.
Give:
12,48,34
